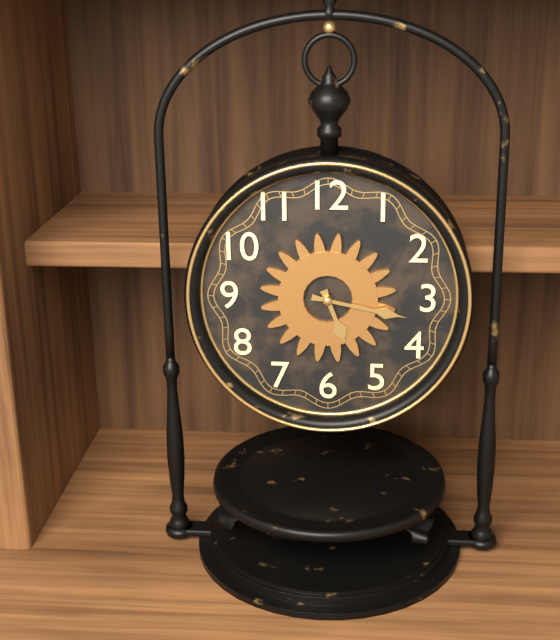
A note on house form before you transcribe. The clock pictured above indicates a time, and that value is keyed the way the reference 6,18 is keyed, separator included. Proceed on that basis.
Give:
5,17
